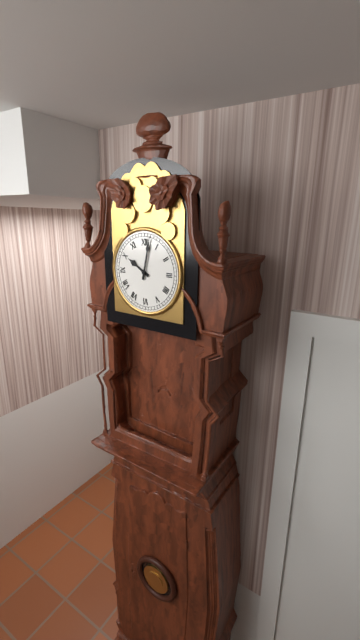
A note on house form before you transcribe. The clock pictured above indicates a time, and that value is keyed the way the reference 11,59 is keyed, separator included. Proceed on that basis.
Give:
10,02
